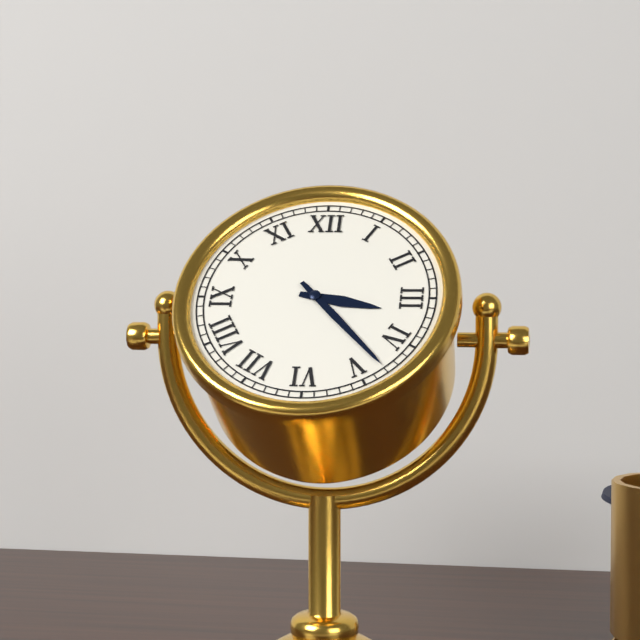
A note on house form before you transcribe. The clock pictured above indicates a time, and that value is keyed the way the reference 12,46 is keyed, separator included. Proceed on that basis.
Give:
3,23
